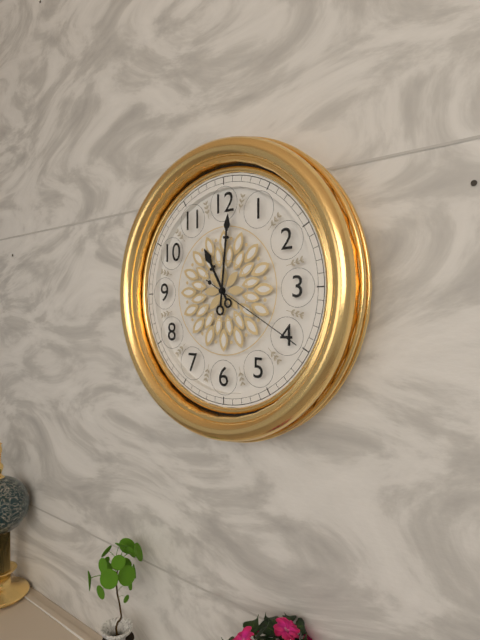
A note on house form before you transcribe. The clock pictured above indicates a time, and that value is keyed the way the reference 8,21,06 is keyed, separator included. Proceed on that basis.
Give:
11,01,20
